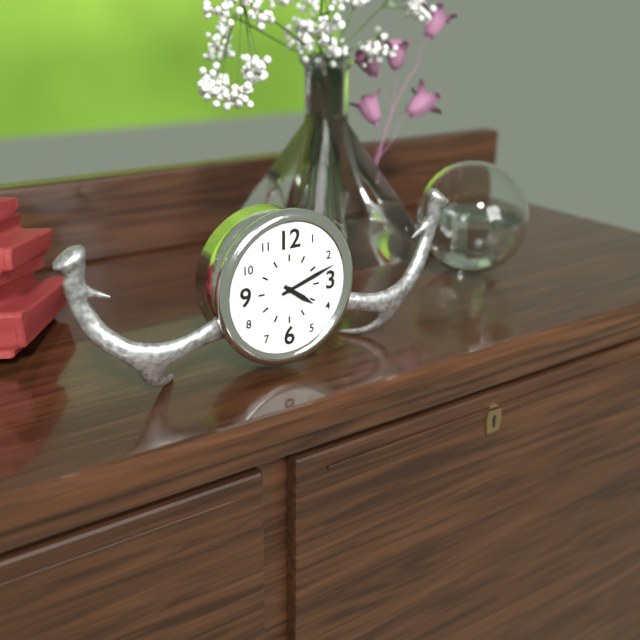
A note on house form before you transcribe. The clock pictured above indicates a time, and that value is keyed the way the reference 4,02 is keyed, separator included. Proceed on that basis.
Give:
4,12
